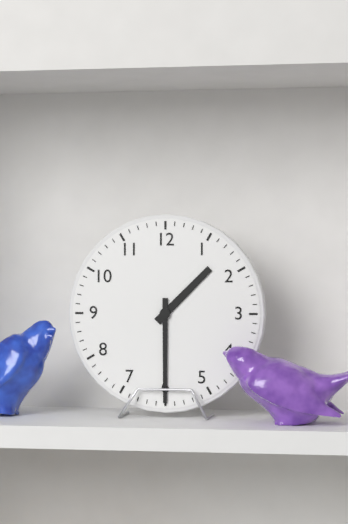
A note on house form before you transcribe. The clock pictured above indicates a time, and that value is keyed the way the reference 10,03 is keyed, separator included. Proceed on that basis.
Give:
1,30
